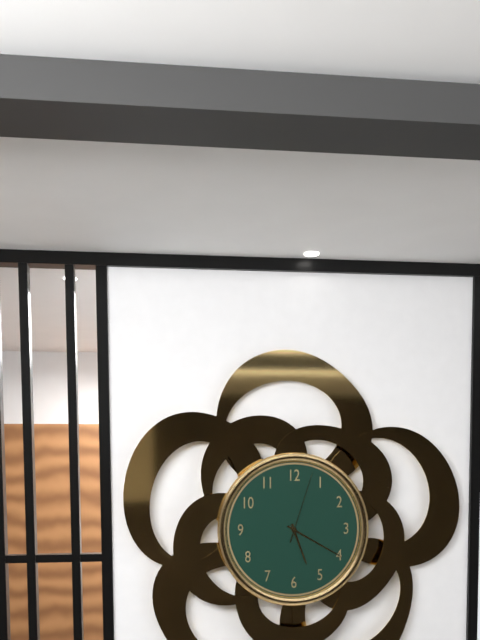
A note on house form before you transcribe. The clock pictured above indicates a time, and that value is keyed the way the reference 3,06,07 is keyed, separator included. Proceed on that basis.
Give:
5,20,03
